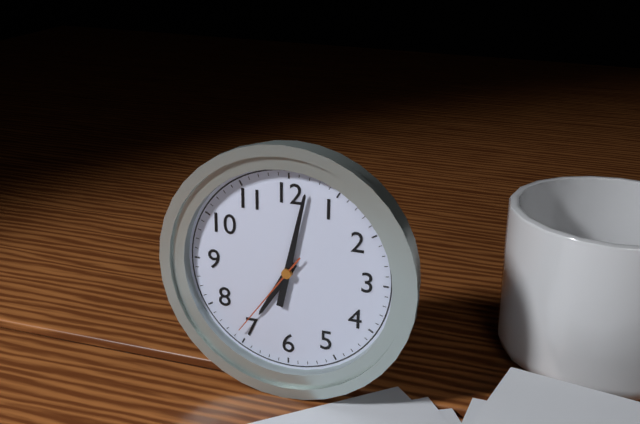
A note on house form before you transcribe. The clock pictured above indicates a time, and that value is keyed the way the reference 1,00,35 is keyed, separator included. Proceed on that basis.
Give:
7,02,36
